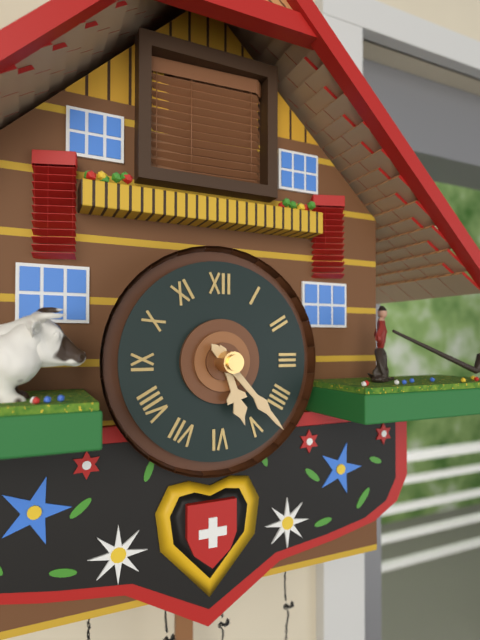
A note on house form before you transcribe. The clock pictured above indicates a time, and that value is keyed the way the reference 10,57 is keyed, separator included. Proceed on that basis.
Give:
5,23
